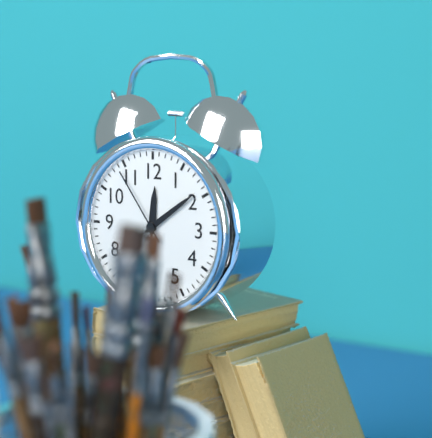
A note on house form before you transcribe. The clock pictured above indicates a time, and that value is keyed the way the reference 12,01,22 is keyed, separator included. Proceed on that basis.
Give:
12,09,54
